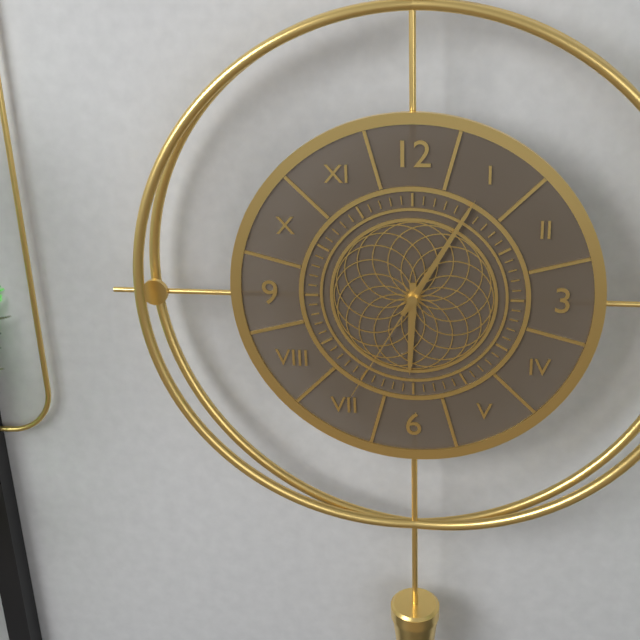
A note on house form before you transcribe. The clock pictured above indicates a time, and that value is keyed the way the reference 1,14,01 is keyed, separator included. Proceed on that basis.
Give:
6,05,35
